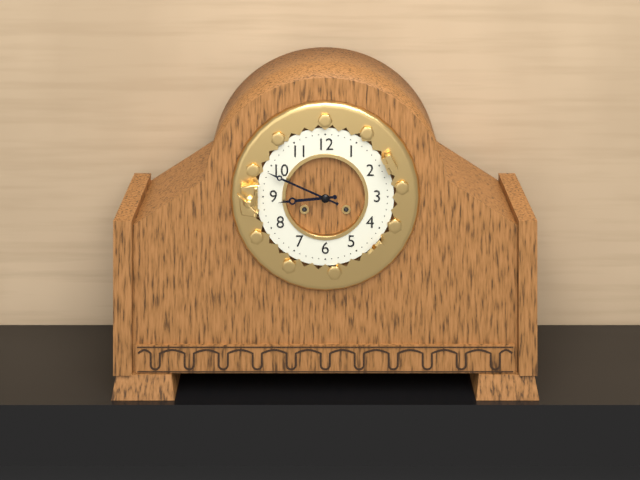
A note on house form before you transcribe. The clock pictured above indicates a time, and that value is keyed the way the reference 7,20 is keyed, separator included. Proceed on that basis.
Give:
8,49
